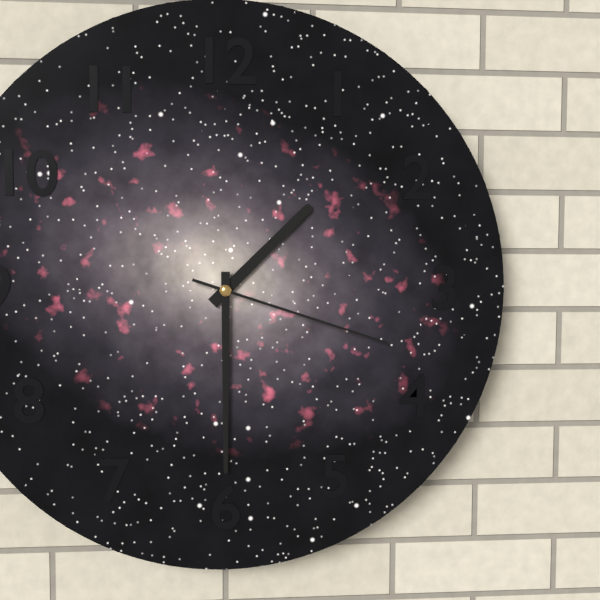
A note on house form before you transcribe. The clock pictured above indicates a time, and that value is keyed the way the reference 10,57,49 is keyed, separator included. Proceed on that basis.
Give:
1,30,18
